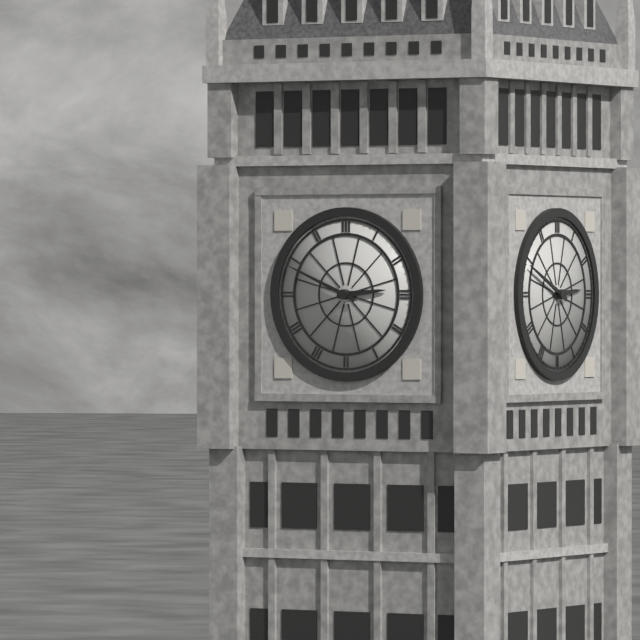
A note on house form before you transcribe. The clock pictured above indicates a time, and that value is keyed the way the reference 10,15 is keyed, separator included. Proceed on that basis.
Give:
2,49
